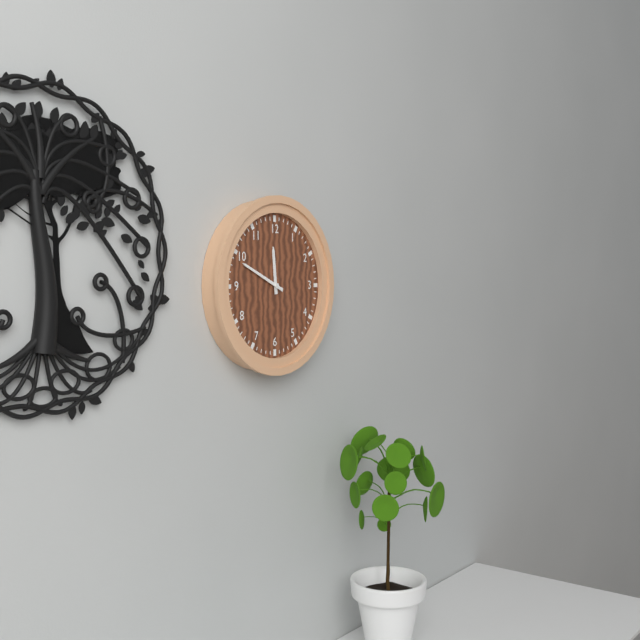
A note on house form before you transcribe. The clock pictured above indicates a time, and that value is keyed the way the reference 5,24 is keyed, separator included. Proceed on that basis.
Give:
11,49
